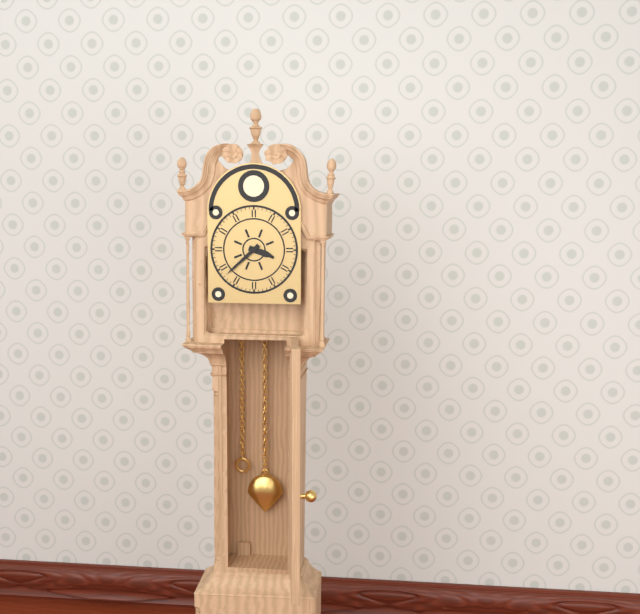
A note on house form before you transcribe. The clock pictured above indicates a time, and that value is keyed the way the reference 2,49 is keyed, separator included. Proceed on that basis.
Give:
3,38
